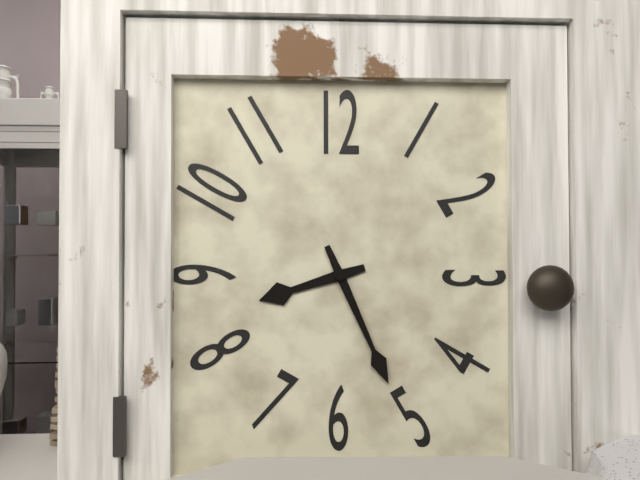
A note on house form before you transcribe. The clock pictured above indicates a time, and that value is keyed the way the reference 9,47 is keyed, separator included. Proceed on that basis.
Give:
8,26
